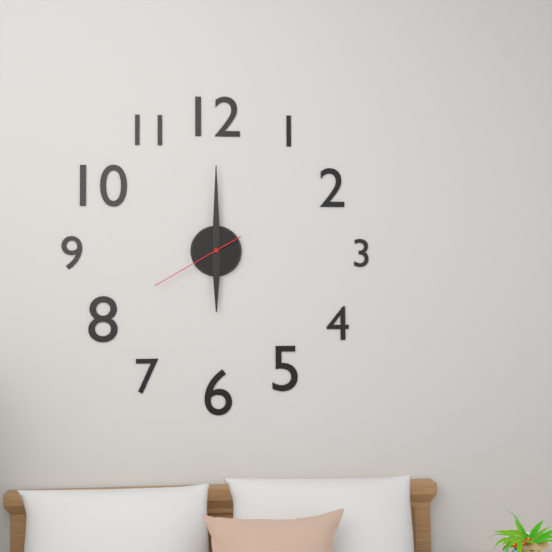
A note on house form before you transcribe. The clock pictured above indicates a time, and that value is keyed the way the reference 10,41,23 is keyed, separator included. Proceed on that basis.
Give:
6,00,40
